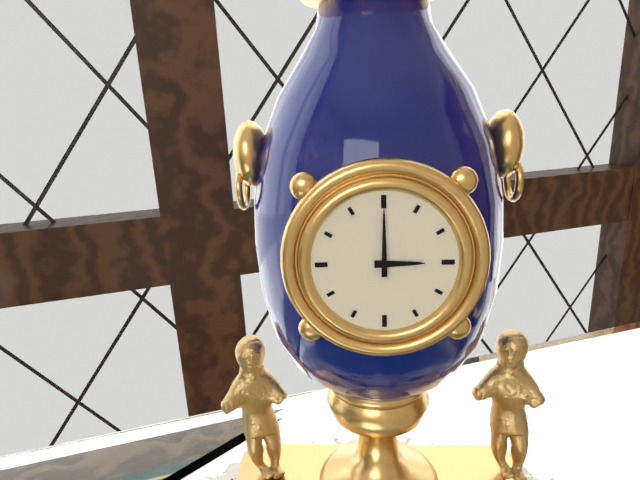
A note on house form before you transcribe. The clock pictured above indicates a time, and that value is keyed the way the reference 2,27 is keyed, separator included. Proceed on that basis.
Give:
3,00
